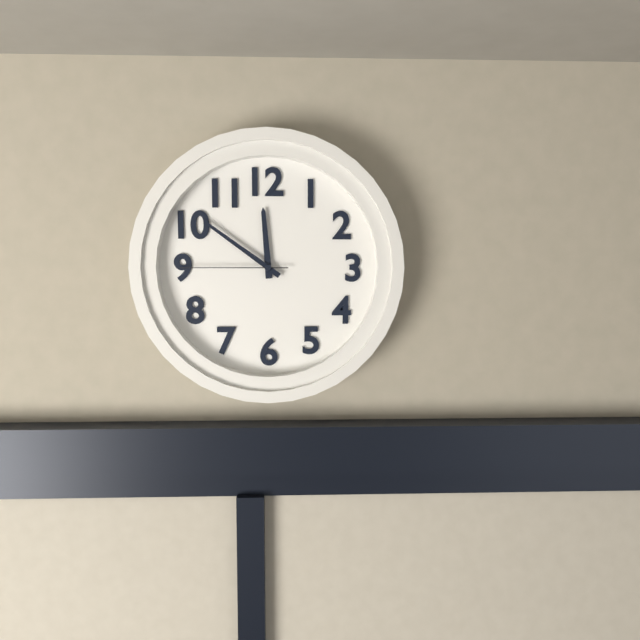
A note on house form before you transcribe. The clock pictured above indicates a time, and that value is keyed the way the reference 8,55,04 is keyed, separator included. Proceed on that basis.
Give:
11,51,45
